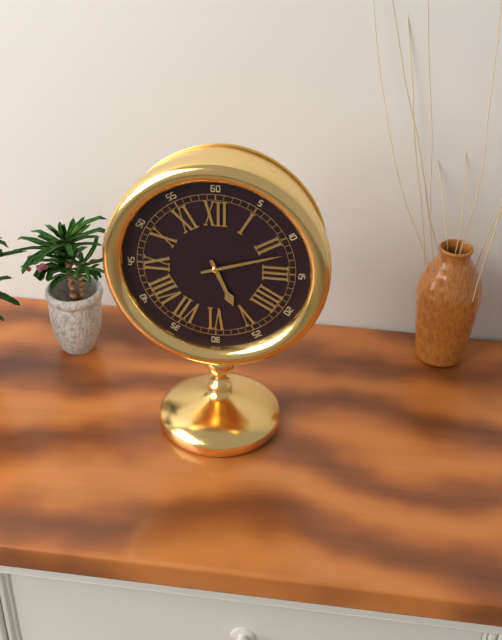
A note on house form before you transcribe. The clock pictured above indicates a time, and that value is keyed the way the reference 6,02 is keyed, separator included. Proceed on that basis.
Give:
5,12
